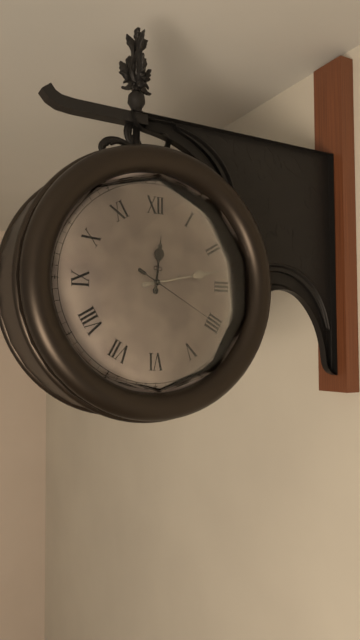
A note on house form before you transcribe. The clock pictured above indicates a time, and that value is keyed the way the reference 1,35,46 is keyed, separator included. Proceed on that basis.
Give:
12,13,20
